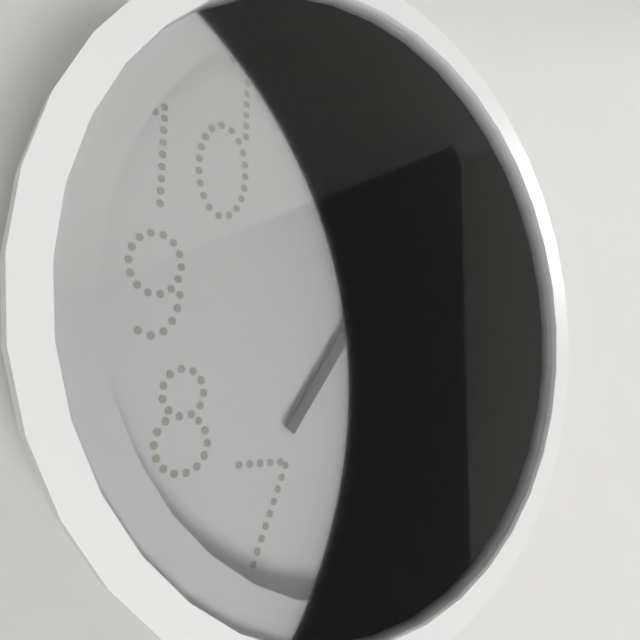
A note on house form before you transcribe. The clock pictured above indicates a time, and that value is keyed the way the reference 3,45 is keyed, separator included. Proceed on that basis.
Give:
7,12
